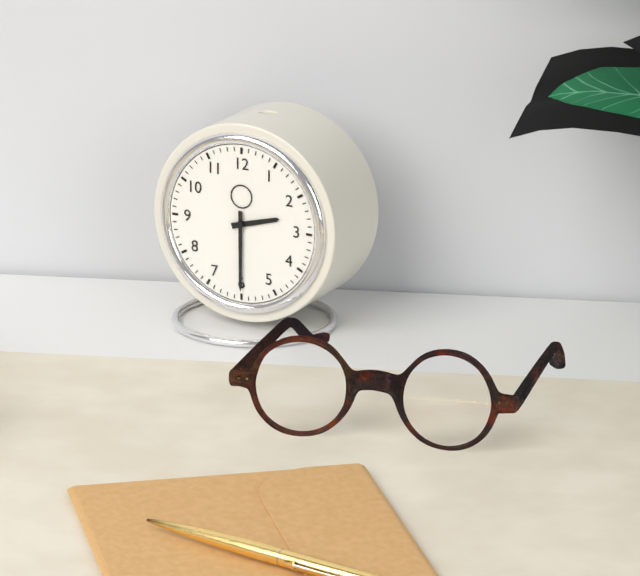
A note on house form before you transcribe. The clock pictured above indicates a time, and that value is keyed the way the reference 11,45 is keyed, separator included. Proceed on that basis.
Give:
2,30
